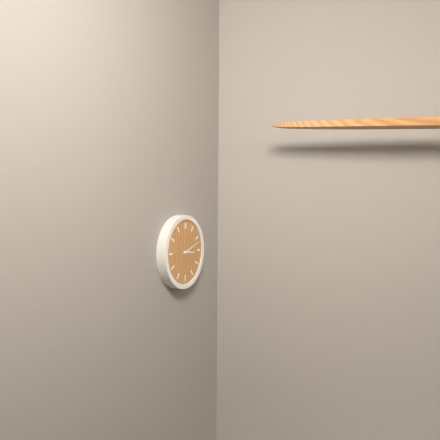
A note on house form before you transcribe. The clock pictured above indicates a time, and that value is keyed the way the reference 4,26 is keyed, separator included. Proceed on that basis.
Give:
3,12
